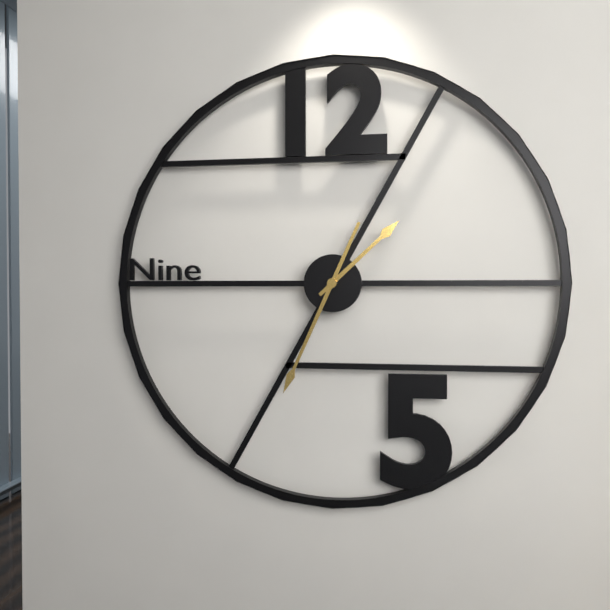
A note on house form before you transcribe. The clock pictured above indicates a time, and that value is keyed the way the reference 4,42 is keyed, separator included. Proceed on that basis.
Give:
1,34
